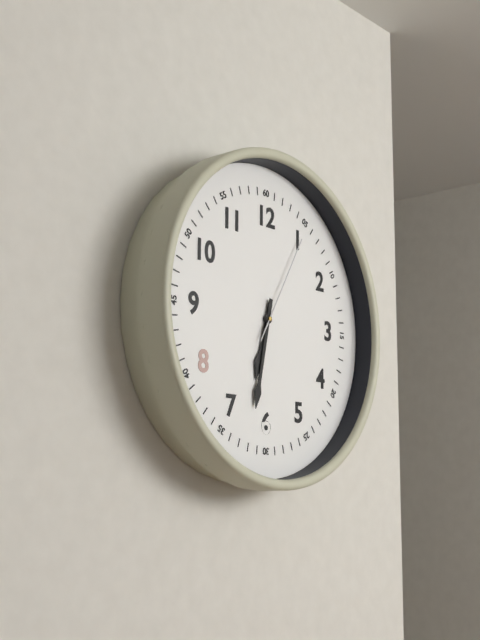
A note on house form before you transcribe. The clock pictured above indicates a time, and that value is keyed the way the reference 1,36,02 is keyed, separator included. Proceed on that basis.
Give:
6,32,05
